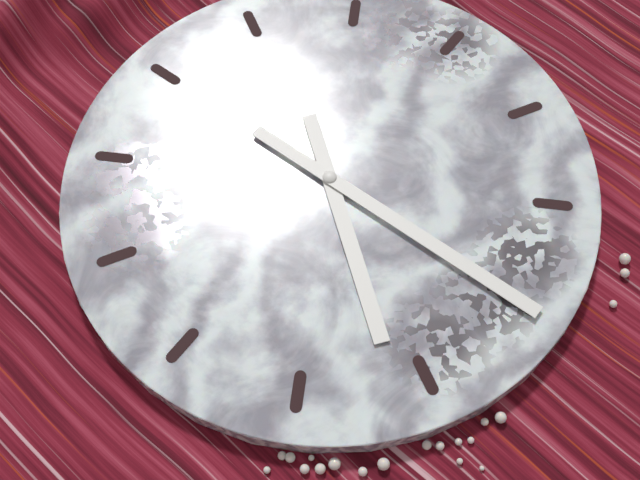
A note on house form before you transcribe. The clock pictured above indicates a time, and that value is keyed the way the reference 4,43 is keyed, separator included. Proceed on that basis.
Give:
4,15
